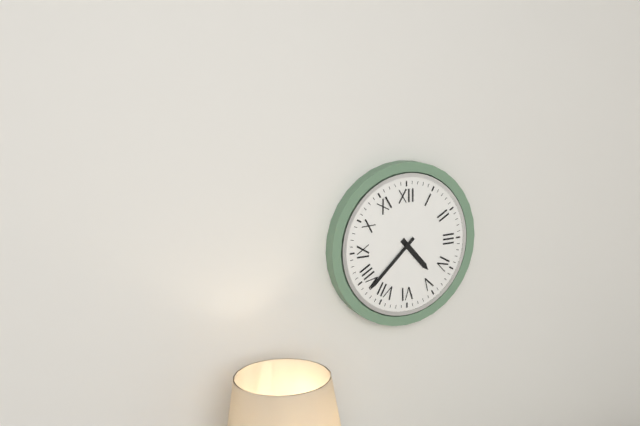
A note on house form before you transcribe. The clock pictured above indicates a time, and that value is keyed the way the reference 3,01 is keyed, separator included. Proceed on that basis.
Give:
4,38
